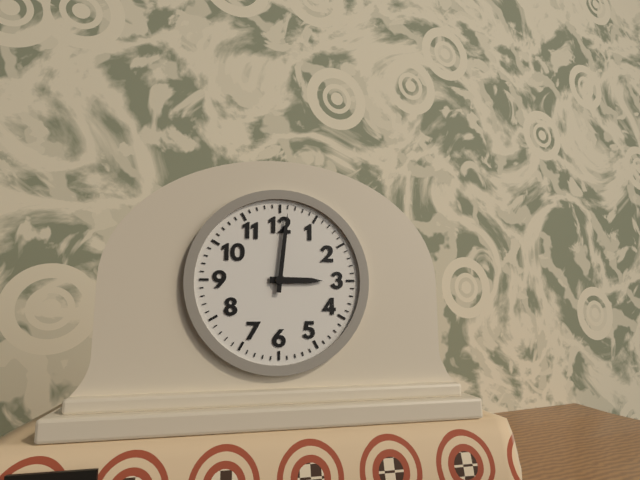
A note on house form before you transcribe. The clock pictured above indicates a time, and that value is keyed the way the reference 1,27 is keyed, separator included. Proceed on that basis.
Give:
3,01
